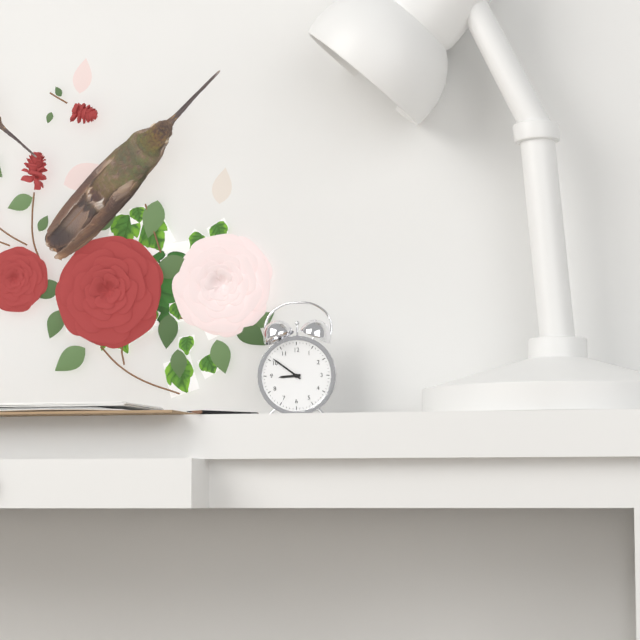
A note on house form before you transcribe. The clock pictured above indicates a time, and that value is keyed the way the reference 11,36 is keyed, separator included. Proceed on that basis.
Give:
8,51
